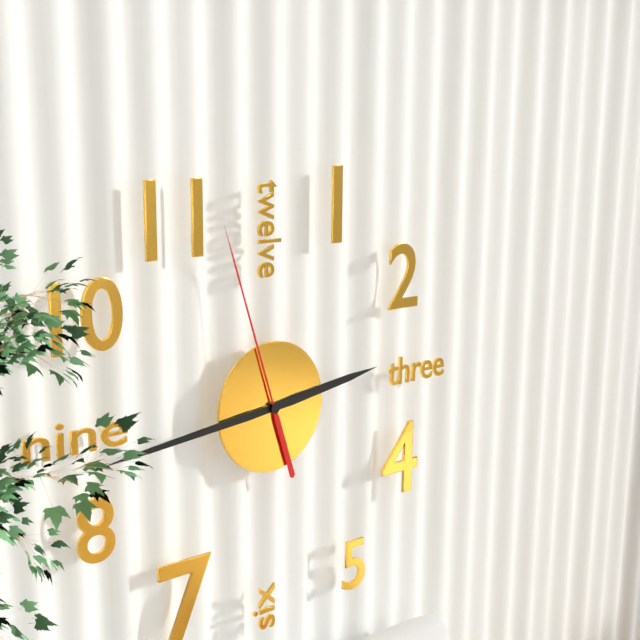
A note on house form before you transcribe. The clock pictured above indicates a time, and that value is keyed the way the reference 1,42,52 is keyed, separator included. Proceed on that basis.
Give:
2,44,57
